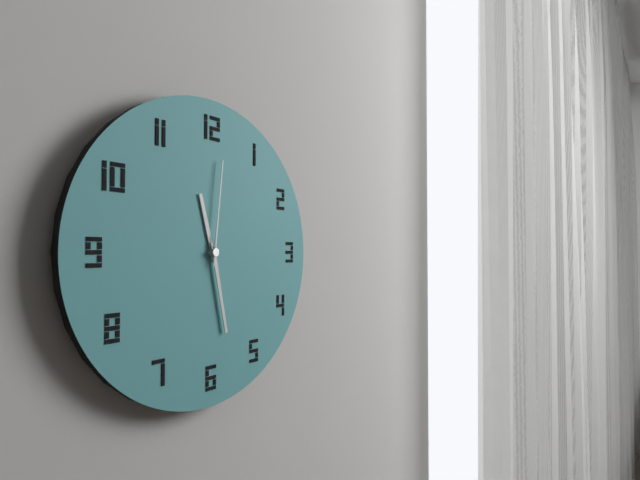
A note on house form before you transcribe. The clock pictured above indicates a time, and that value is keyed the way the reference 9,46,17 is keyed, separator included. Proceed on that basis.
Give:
11,28,01
